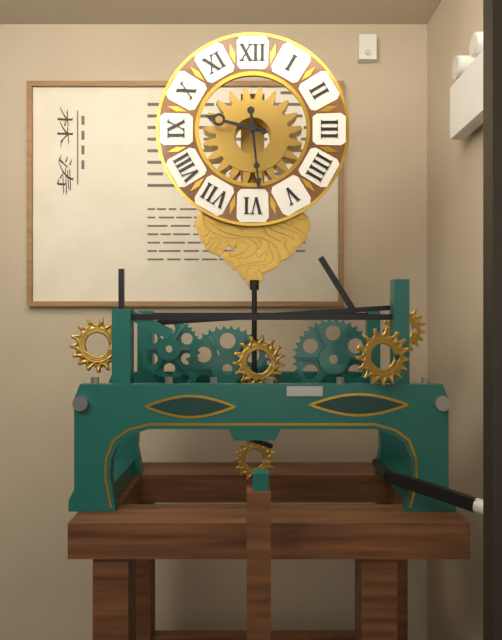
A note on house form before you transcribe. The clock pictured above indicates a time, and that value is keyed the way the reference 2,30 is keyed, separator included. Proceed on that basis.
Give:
9,29
